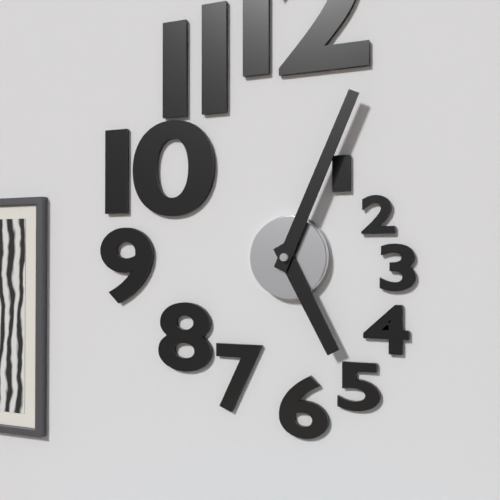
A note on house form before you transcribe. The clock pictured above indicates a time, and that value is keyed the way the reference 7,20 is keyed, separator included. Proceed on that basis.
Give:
5,04
